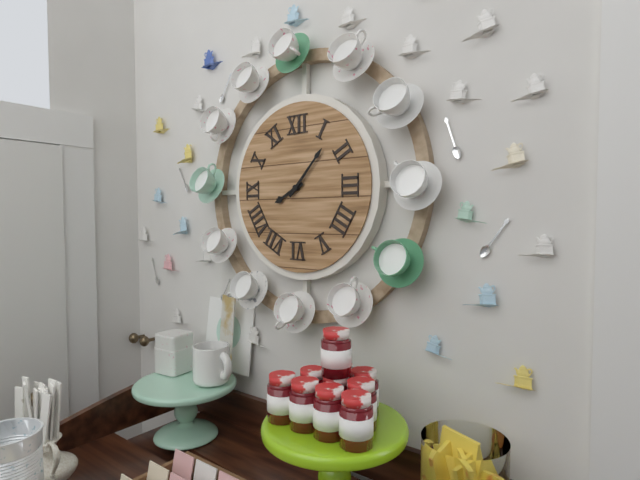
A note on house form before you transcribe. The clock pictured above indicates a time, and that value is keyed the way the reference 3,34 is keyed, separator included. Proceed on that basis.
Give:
8,07
